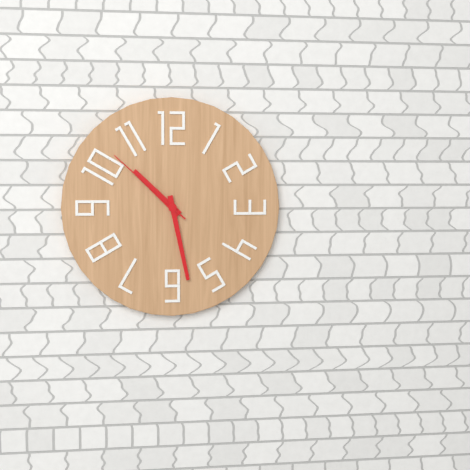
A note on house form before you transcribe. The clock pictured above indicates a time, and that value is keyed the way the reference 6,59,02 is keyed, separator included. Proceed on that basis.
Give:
10,28,52
